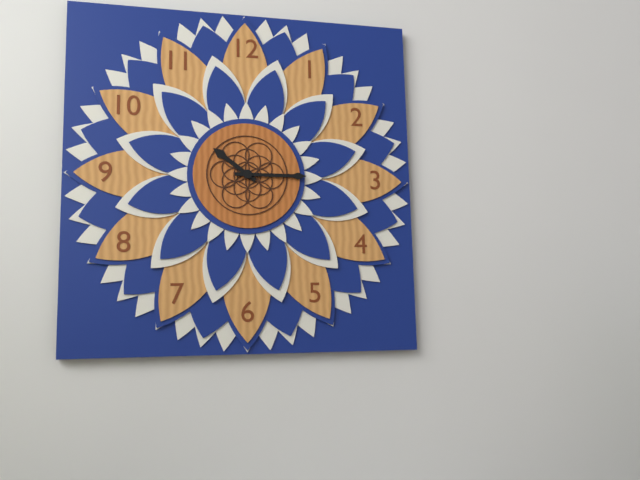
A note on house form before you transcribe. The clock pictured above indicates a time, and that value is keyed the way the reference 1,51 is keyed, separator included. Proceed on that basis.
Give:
10,15
